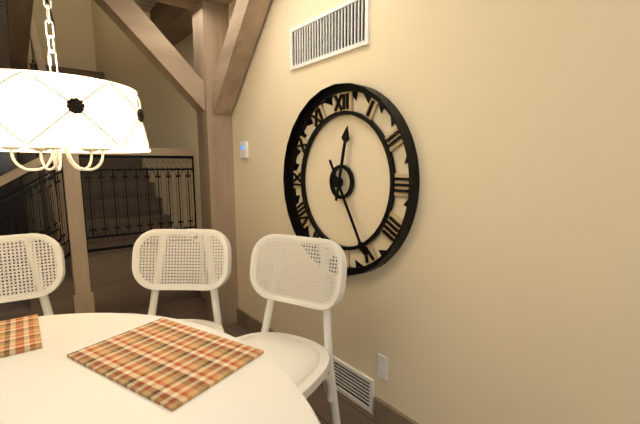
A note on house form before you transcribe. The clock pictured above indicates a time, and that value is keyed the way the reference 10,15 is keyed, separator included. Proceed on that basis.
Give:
12,25
